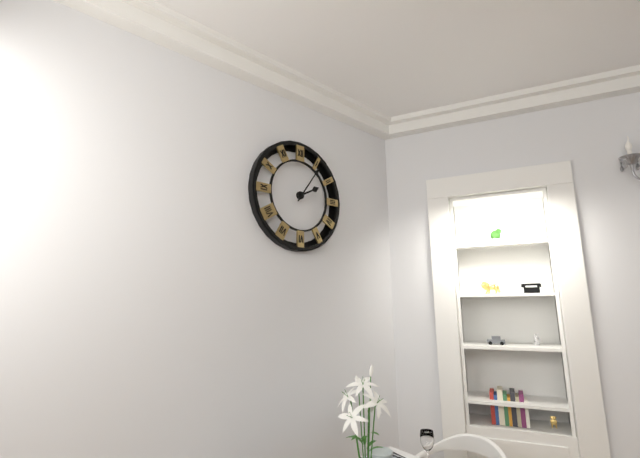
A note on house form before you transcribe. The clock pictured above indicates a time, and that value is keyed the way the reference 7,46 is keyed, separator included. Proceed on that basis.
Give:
2,06
